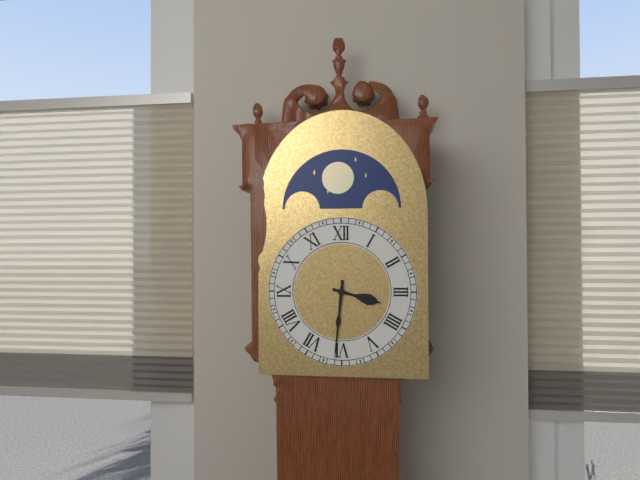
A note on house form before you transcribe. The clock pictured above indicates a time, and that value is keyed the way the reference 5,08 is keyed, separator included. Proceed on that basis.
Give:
3,31
